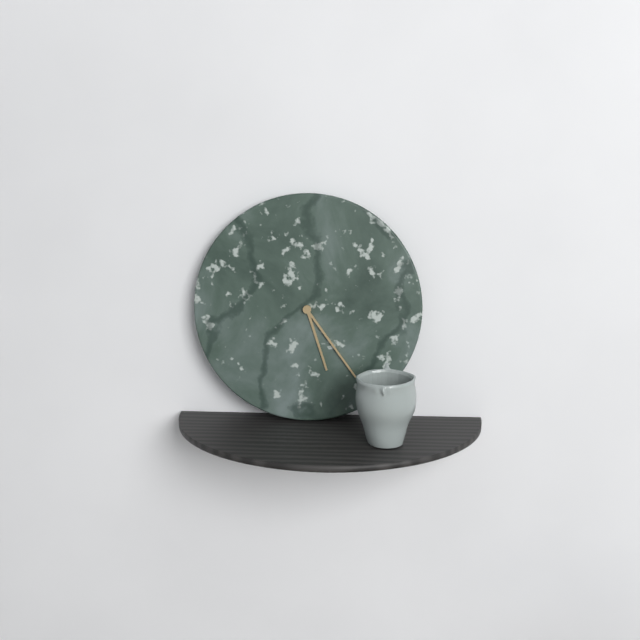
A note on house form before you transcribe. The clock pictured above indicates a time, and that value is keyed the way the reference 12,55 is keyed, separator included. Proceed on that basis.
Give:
5,24
